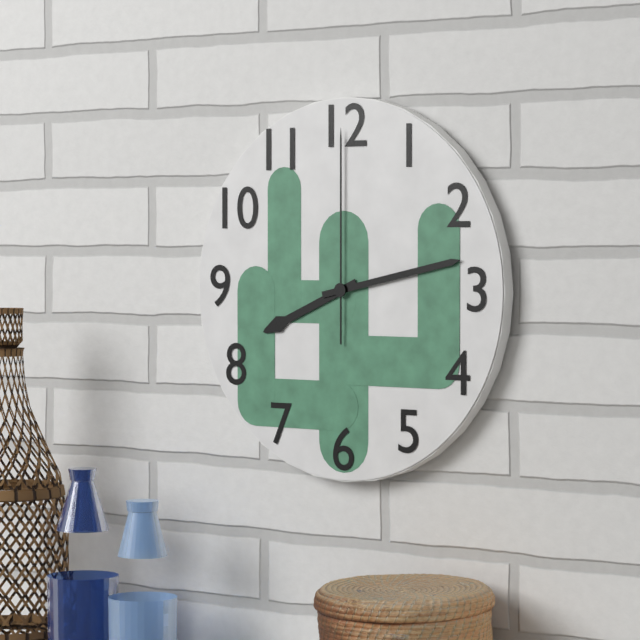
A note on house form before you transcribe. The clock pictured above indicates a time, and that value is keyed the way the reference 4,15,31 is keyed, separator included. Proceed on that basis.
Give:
8,13,00
